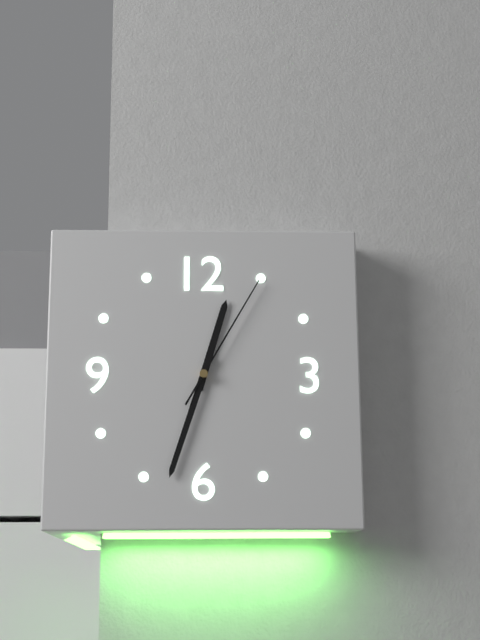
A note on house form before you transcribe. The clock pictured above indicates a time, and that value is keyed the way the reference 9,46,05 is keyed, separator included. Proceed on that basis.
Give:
12,33,05
